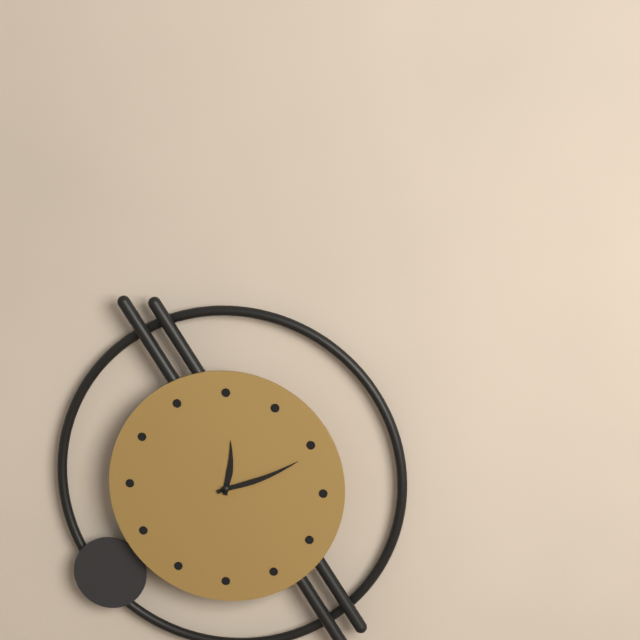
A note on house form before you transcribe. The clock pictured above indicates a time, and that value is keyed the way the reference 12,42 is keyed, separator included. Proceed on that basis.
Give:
12,11
